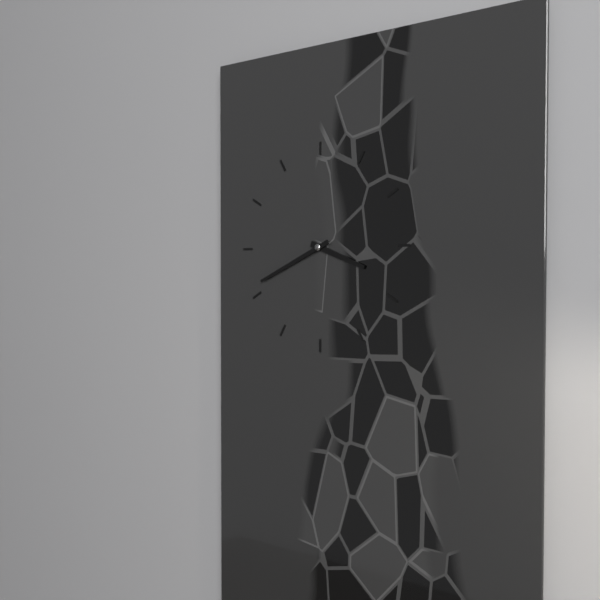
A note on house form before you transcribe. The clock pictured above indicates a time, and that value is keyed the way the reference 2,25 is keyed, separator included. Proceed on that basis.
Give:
3,41
